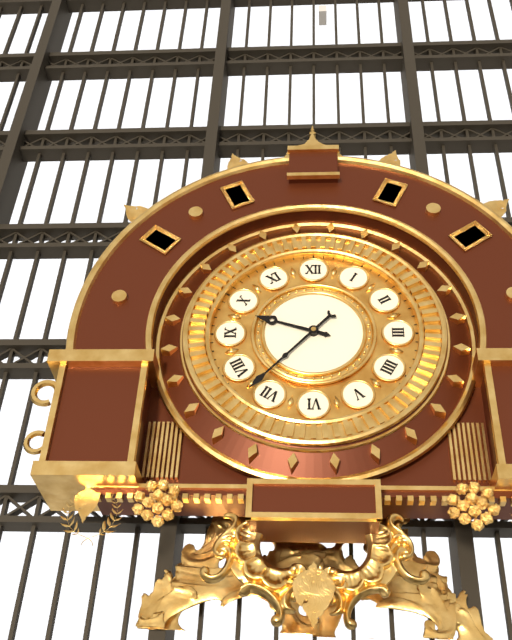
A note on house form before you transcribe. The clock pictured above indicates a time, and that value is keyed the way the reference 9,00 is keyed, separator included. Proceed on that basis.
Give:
9,37
